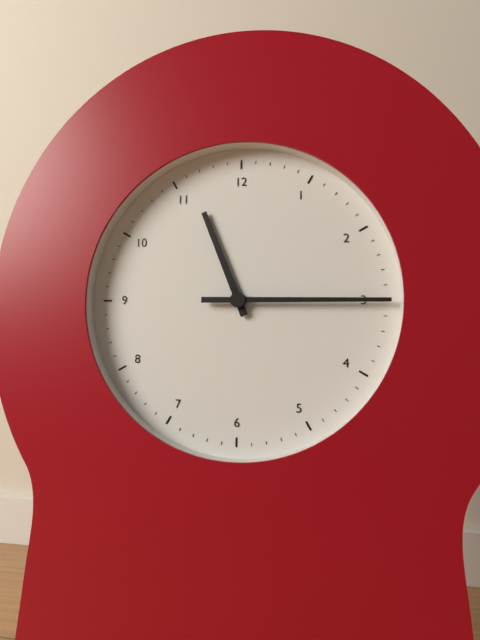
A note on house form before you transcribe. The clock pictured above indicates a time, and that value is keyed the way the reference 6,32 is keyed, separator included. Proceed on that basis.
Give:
11,15
